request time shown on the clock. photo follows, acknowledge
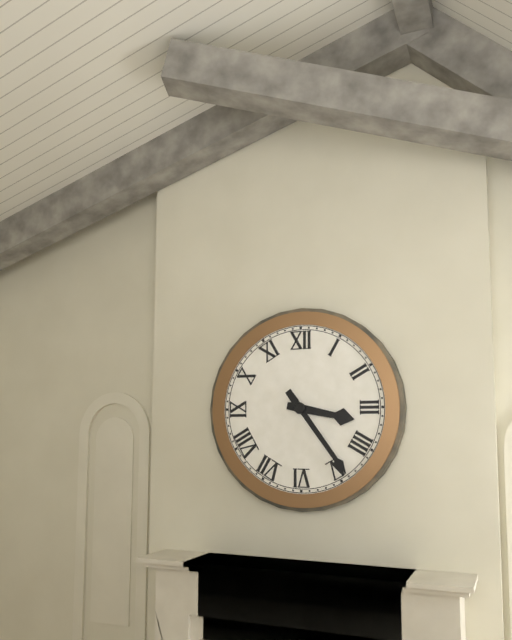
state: 3:24
